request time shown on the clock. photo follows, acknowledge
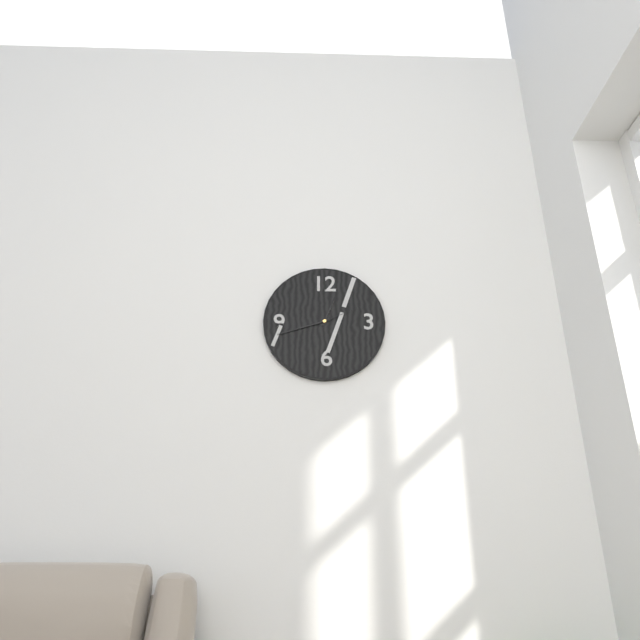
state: 12:42
